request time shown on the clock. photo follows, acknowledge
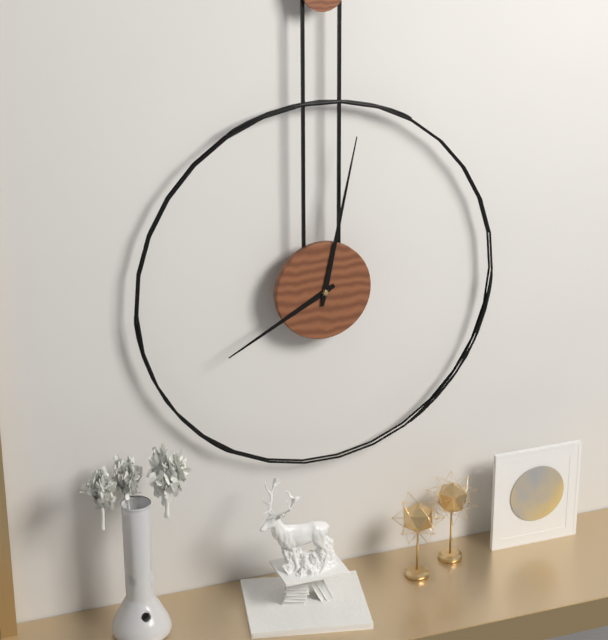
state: 8:02
